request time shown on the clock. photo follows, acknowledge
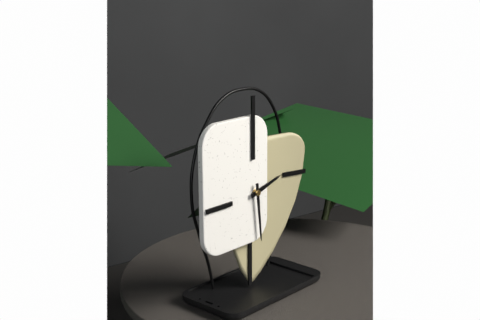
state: 2:29
